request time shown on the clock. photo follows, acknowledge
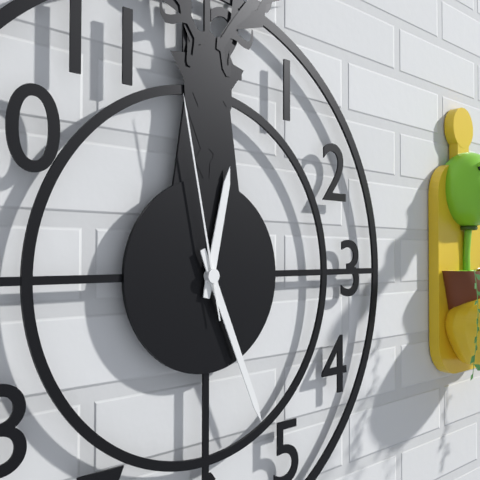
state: 12:26:58
